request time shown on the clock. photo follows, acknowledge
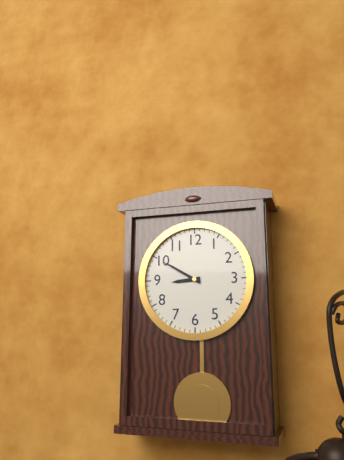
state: 8:50
